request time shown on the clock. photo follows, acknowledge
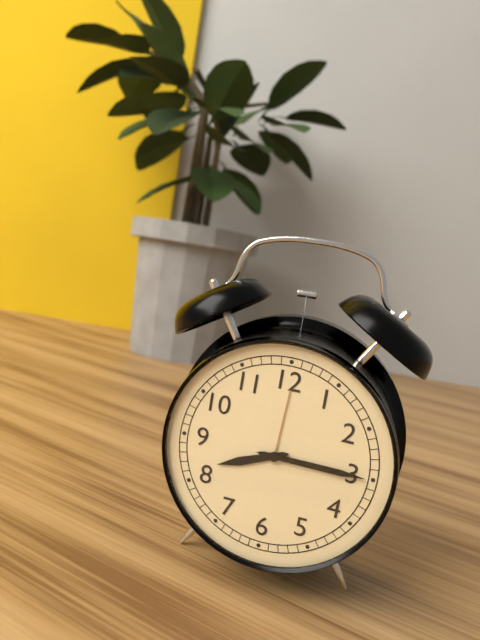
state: 8:15
